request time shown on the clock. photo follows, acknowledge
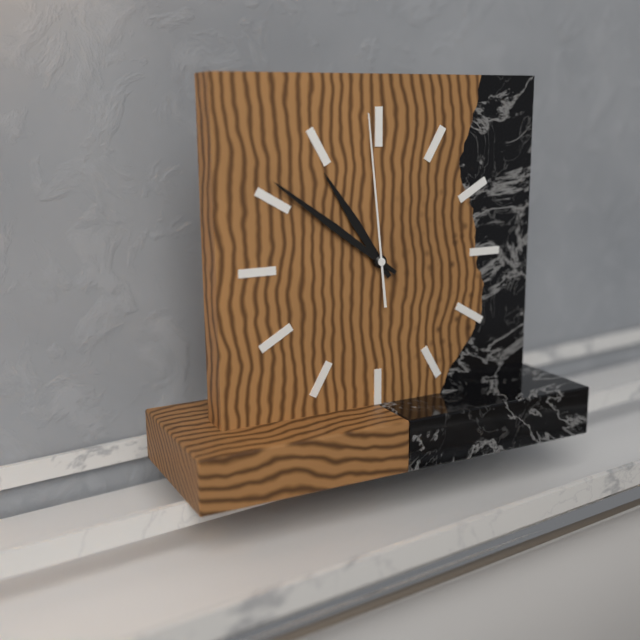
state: 10:51:59
